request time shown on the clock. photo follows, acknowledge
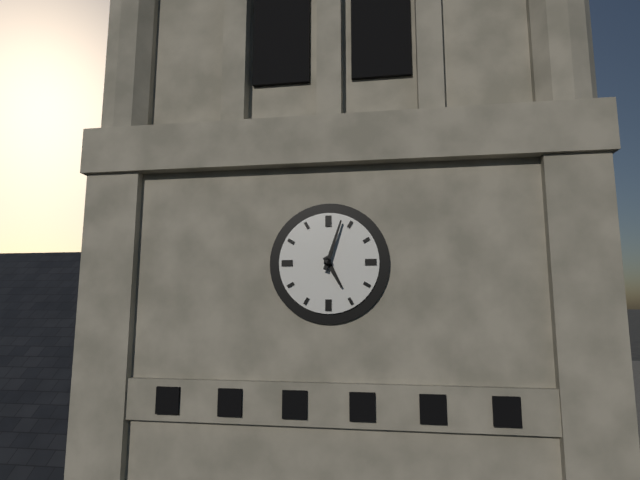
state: 5:03
